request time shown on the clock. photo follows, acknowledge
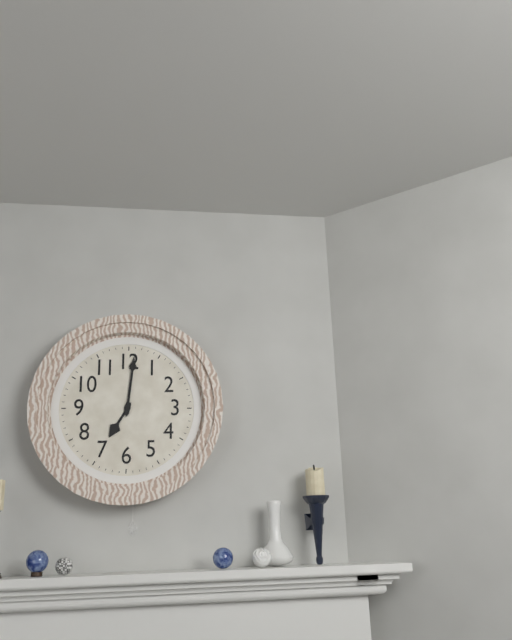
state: 7:01
